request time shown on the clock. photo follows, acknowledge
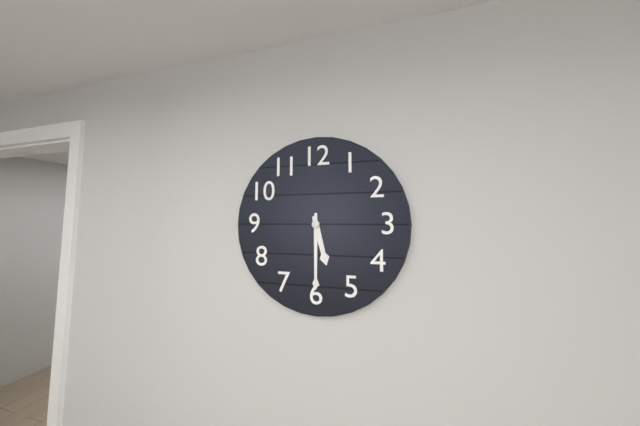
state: 5:30
